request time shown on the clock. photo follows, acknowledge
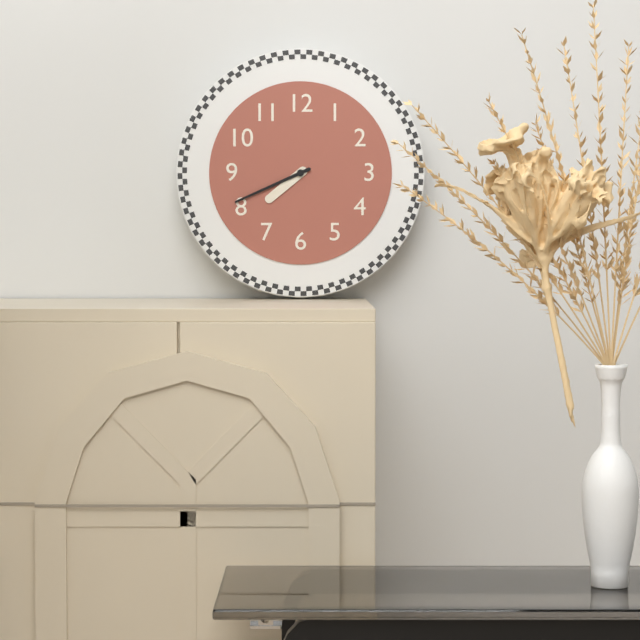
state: 7:41
